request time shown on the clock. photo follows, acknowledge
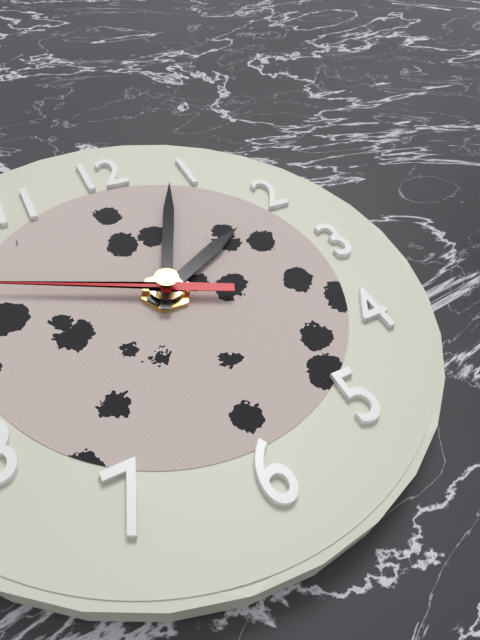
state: 2:04
